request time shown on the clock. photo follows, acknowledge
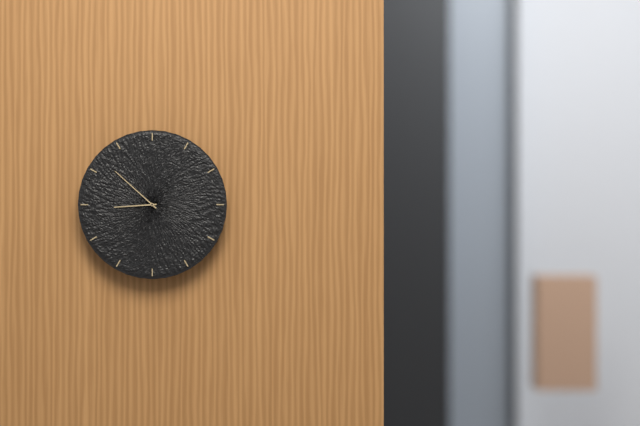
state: 8:52
